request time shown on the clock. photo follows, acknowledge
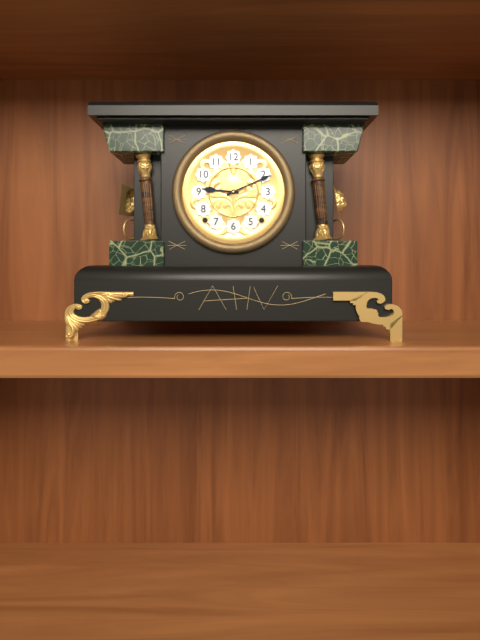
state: 9:11
